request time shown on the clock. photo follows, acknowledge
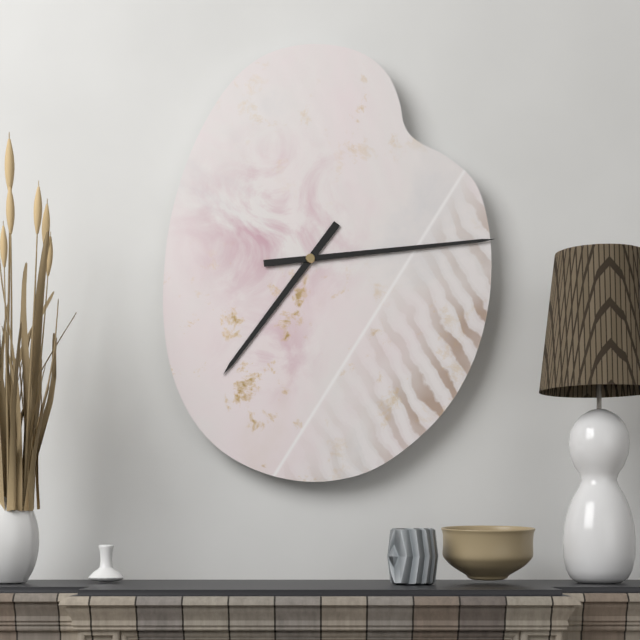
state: 7:14
